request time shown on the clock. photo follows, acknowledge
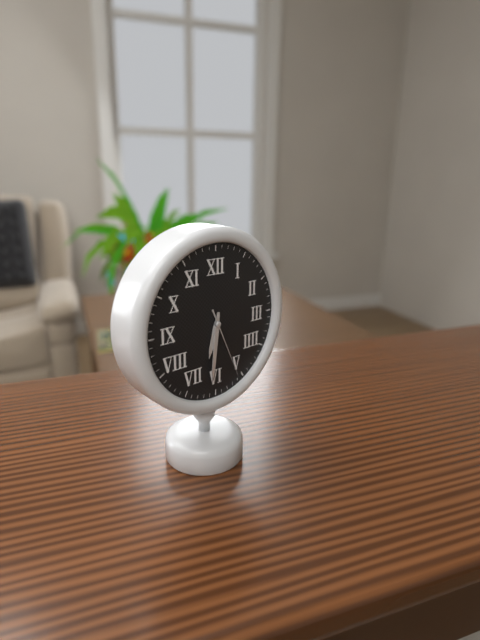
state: 6:31:26
